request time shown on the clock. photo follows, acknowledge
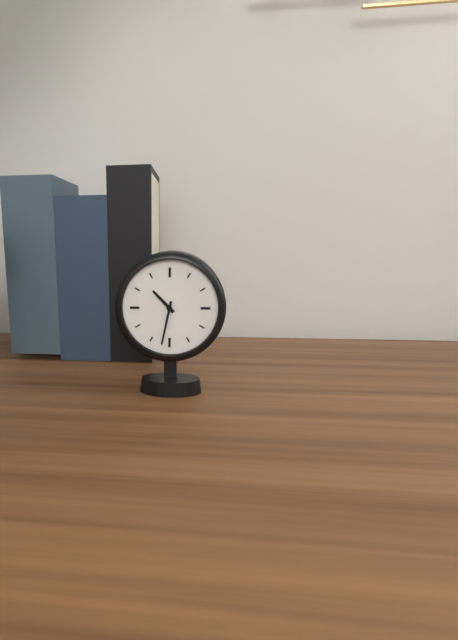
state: 10:32
